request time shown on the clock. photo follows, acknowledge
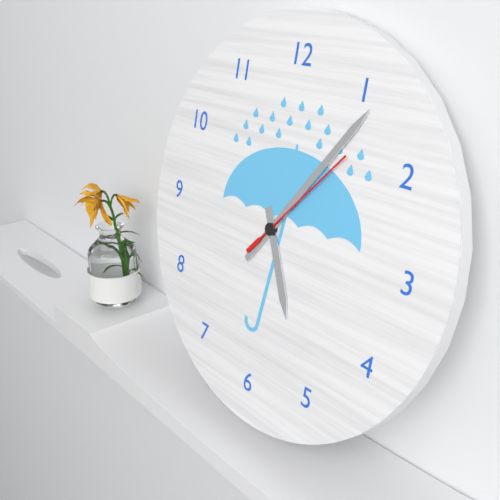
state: 5:06:07
